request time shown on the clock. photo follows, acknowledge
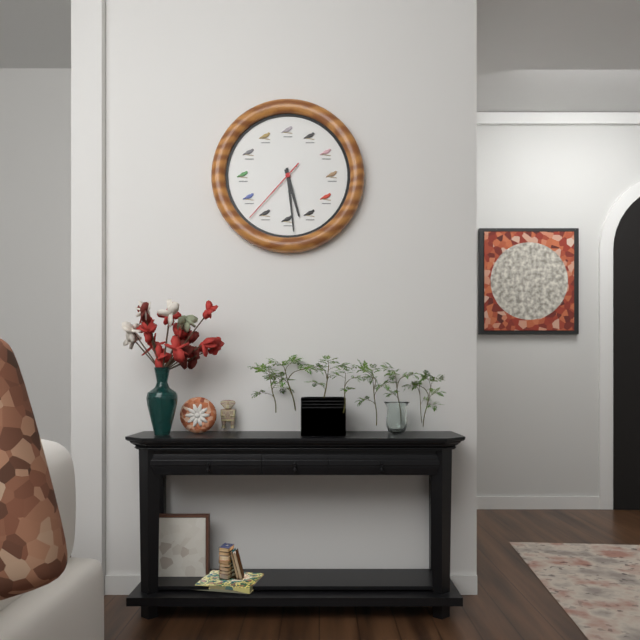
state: 5:29:37
